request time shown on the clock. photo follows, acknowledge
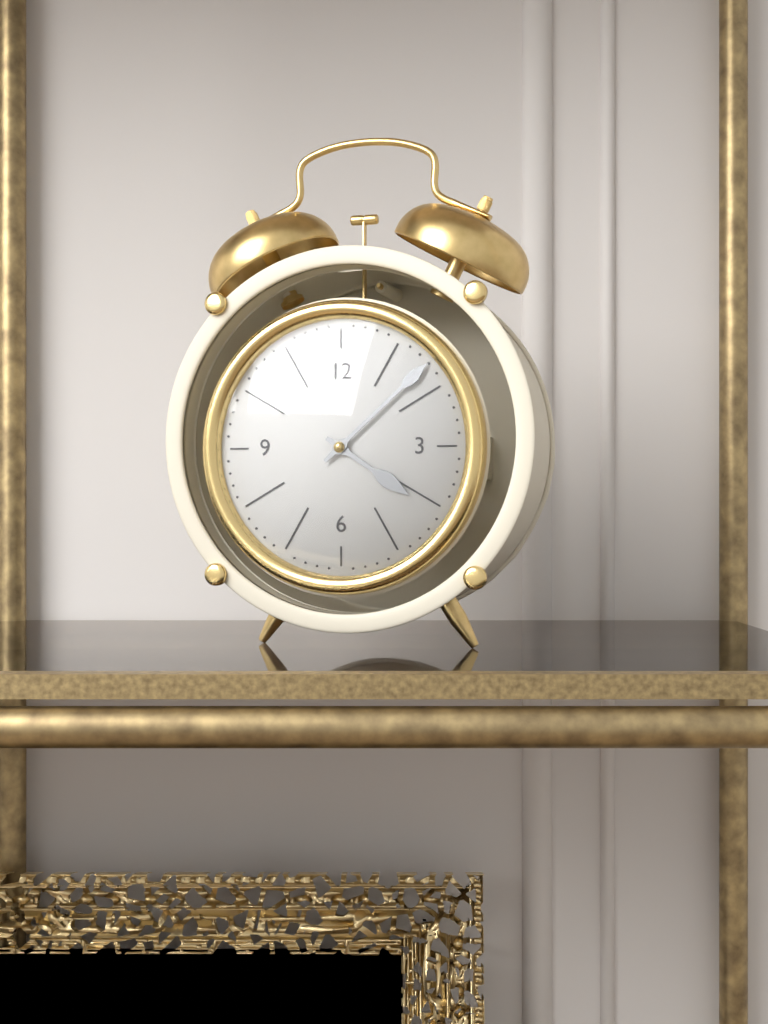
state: 4:08
